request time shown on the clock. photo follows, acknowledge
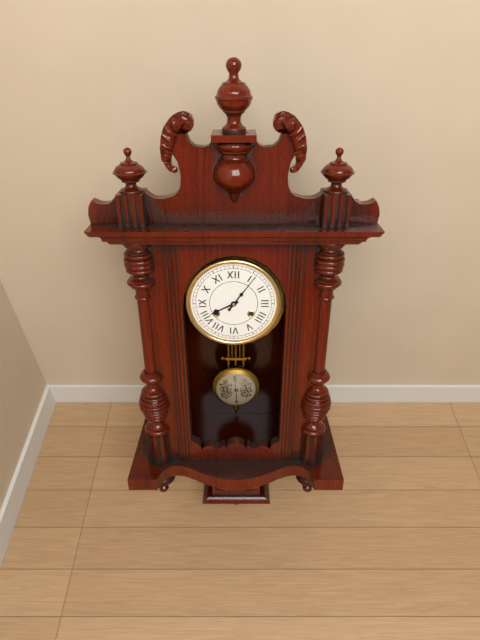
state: 8:06
